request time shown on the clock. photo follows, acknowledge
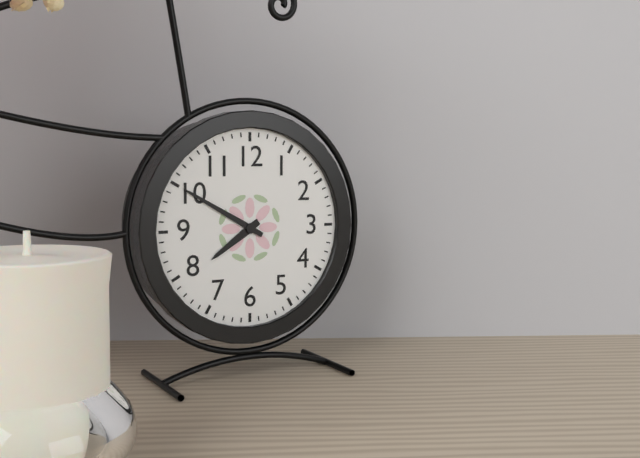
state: 7:50
